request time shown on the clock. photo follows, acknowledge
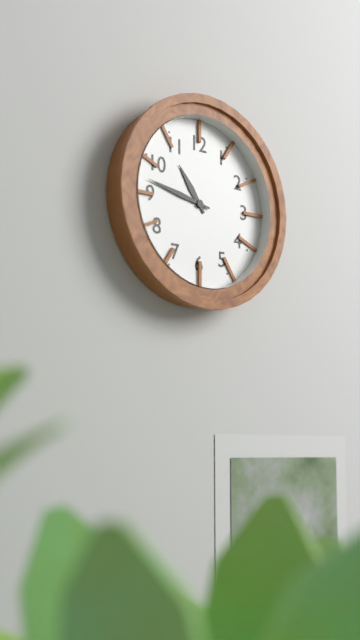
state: 10:47
